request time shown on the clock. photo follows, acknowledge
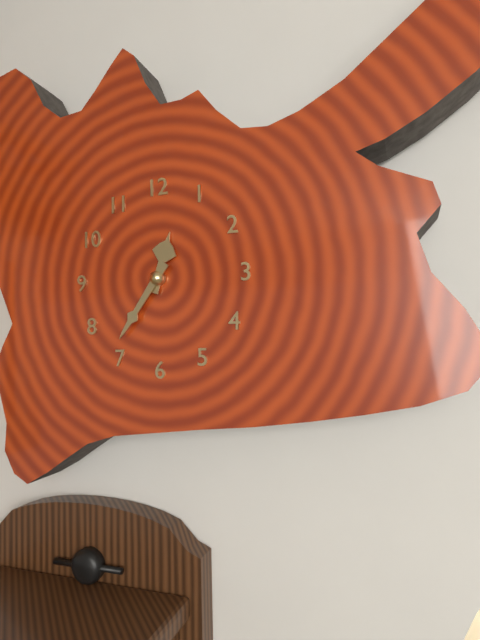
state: 12:36
